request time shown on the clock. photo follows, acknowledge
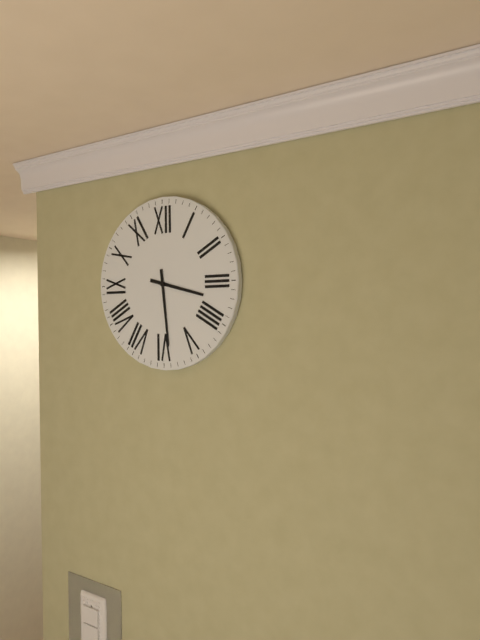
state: 3:29
